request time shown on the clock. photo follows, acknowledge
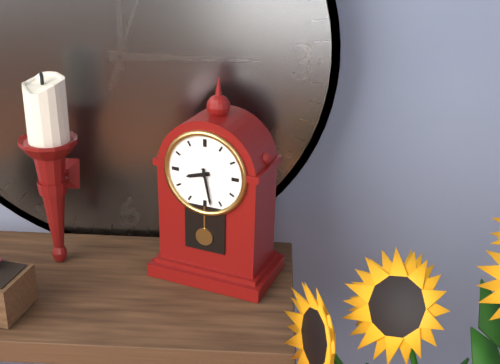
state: 8:28
